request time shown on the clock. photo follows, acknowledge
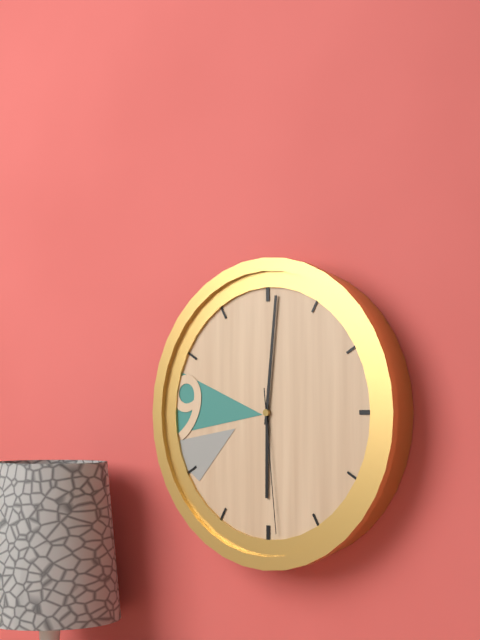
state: 6:01:29
